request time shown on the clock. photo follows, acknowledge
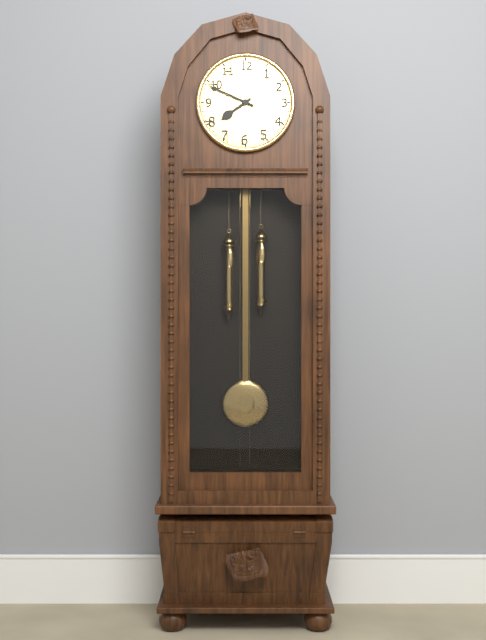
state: 7:49
